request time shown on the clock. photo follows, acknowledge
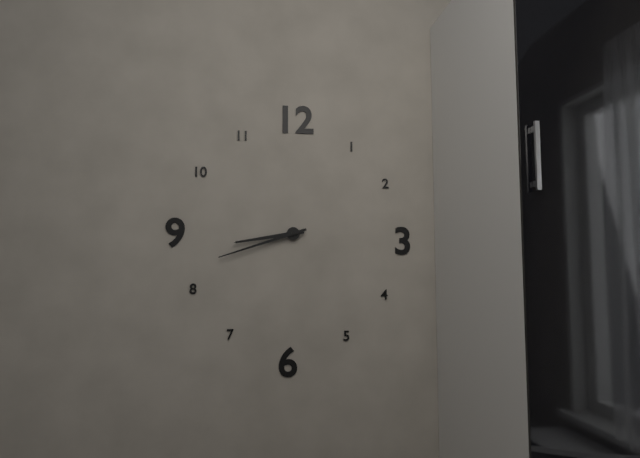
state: 8:42
